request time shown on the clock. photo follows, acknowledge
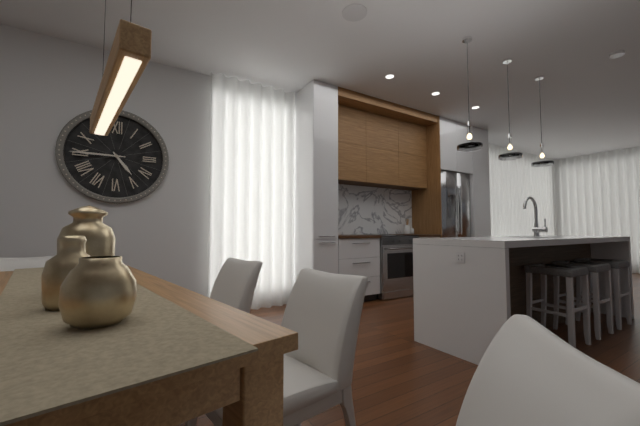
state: 4:45
